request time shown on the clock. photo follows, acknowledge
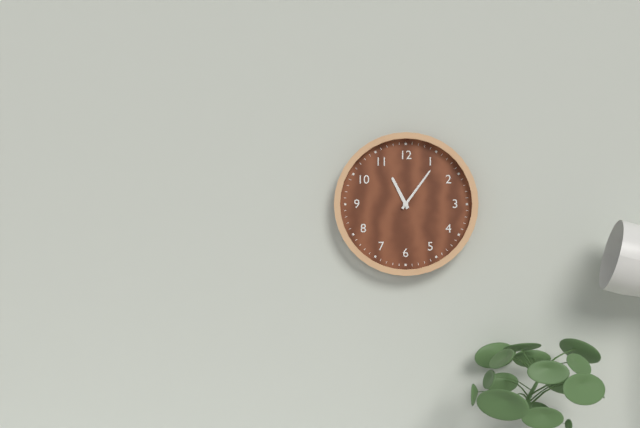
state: 11:06
